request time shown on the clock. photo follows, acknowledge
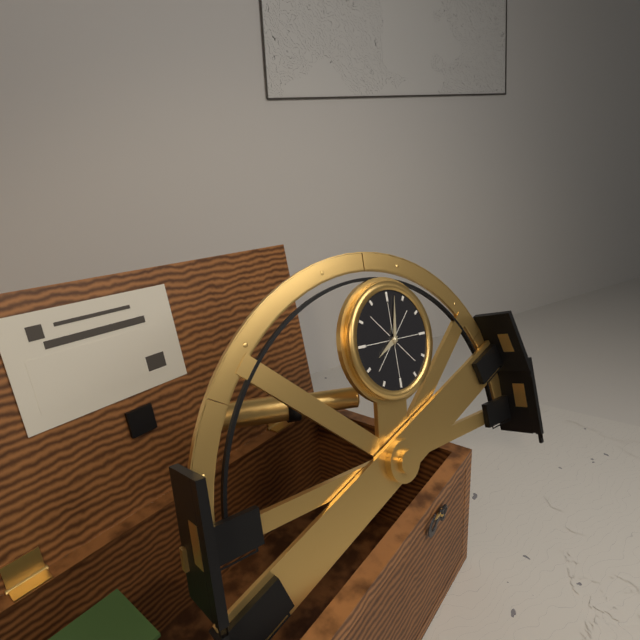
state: 8:02
